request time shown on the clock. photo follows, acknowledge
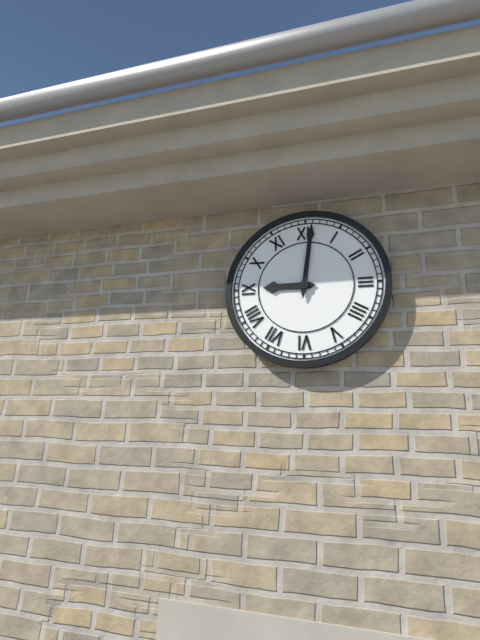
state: 9:01
